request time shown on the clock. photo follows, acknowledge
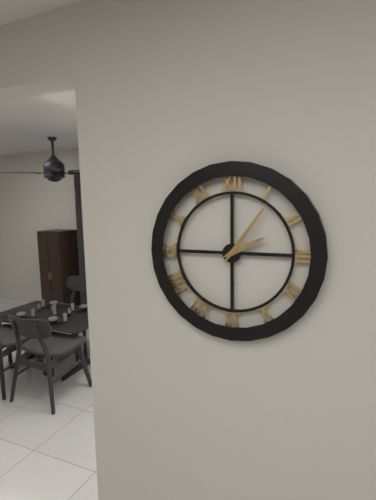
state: 2:06
